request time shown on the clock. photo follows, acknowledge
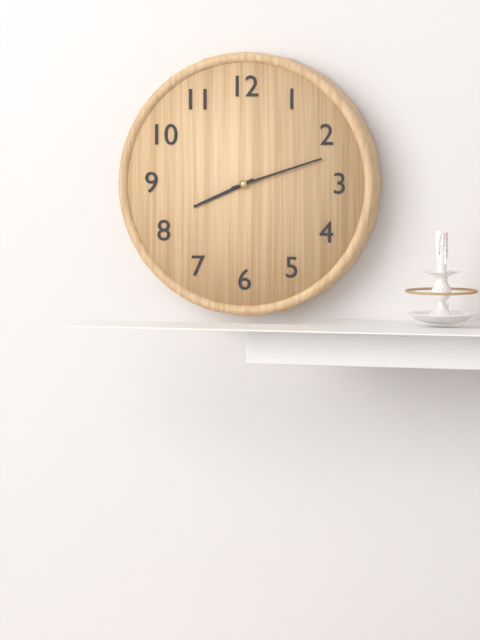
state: 8:12
